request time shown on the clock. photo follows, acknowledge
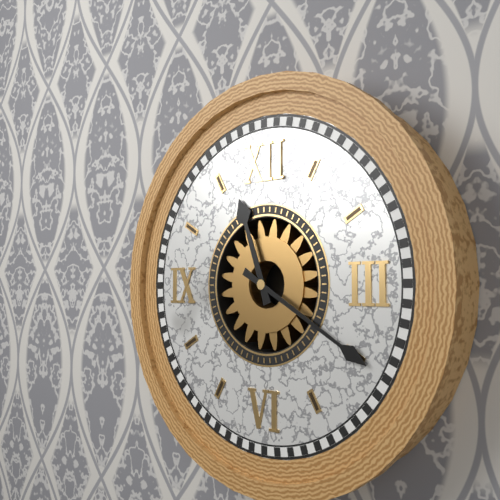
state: 11:20
